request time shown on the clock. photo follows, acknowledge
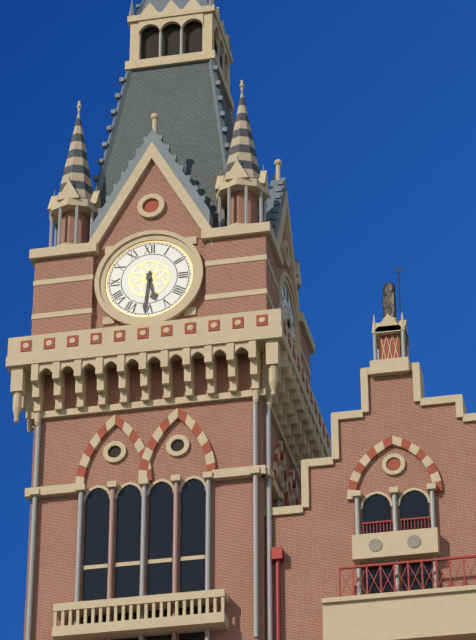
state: 5:31
